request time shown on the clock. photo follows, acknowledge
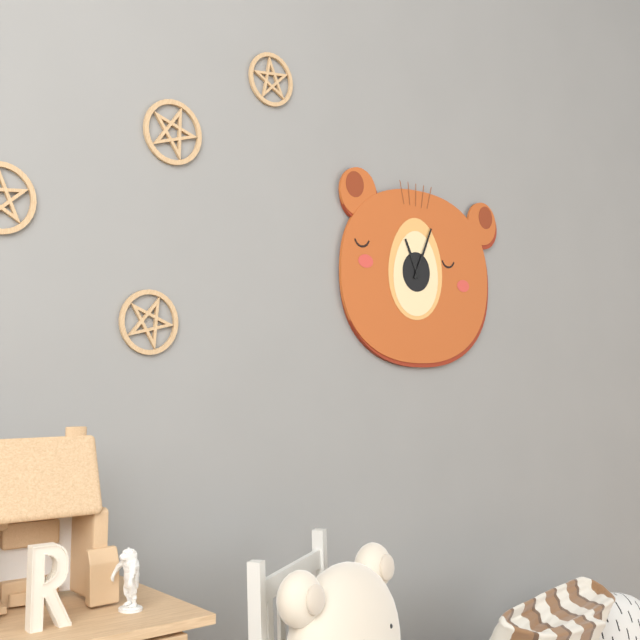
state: 11:04
